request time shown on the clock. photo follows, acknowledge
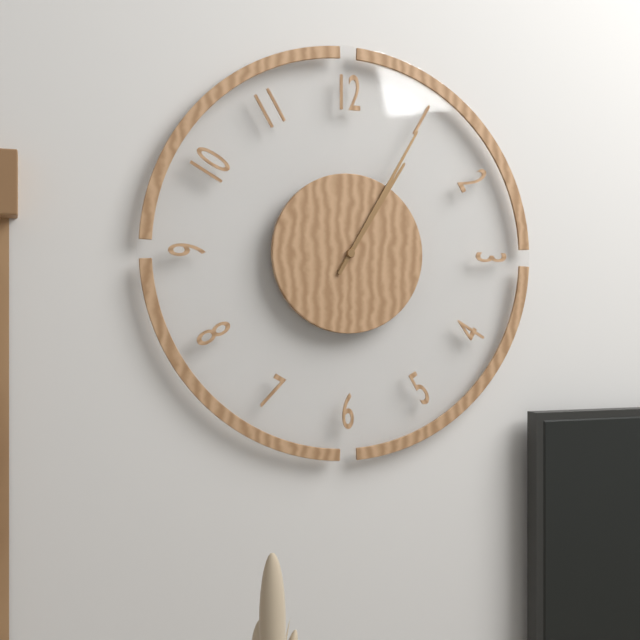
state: 1:05
